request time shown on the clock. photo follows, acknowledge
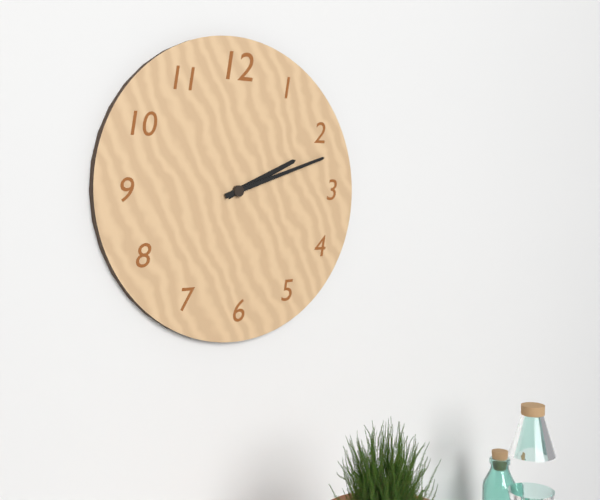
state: 2:12
